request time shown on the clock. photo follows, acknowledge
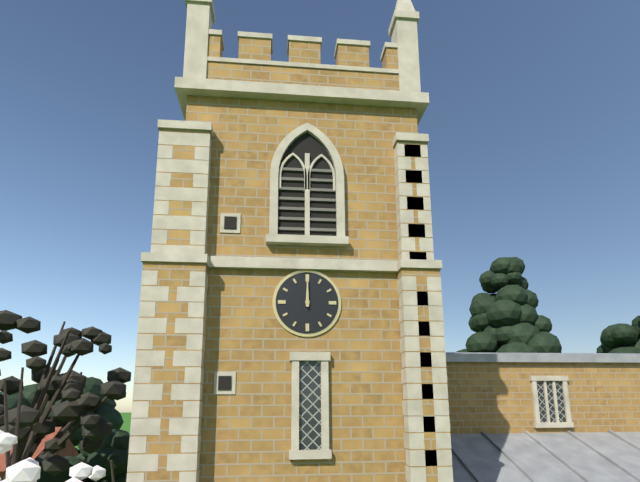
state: 12:00
